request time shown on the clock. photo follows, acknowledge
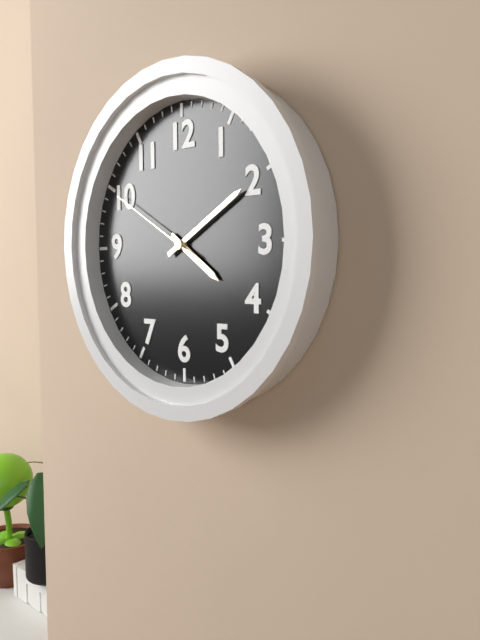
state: 4:10:50
